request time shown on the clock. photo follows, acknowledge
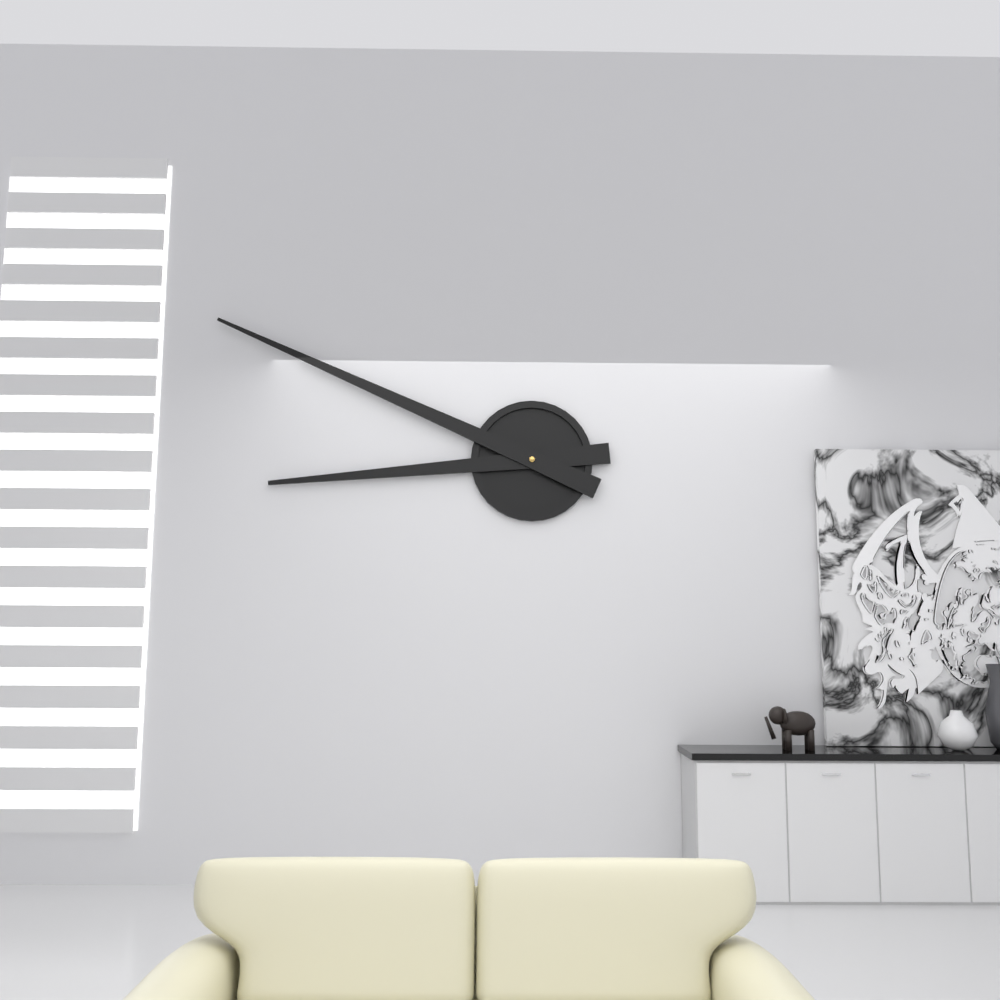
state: 8:49
